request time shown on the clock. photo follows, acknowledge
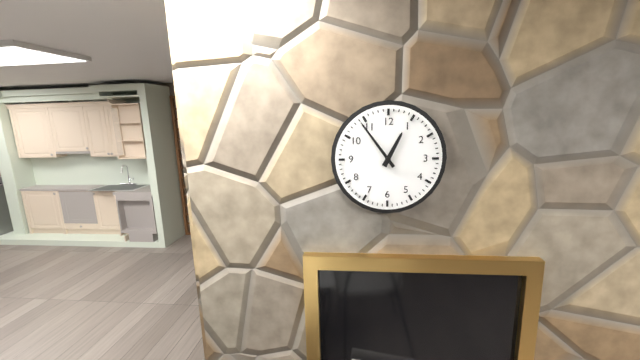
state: 12:54
